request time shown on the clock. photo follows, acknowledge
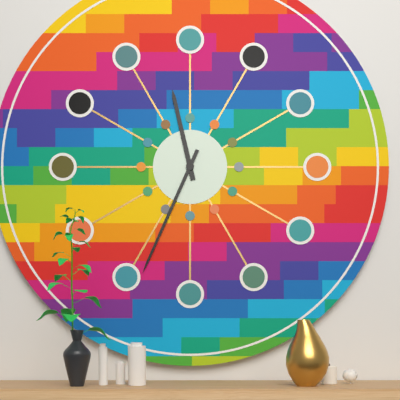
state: 11:34
